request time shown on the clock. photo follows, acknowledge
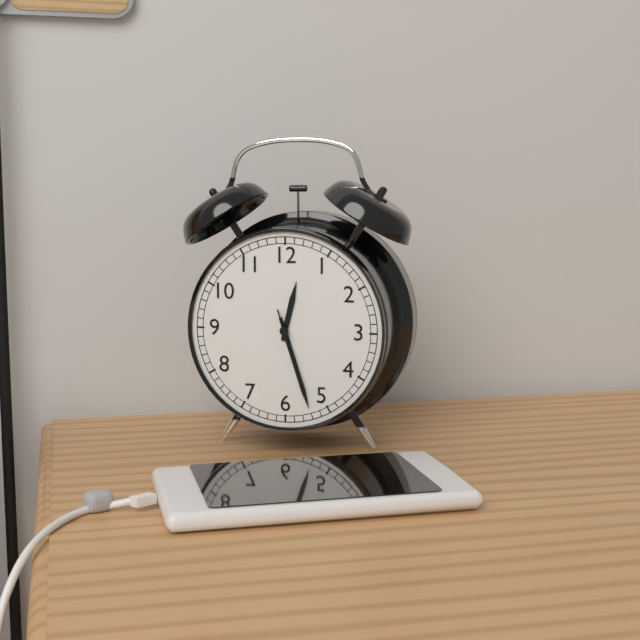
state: 12:27:27
